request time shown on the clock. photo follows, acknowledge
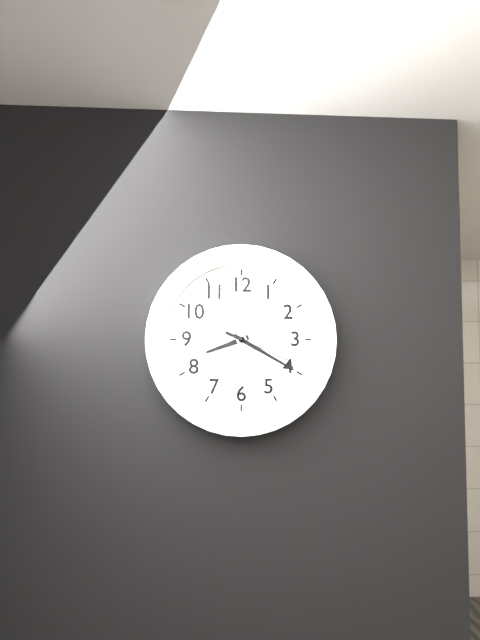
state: 8:20:19
